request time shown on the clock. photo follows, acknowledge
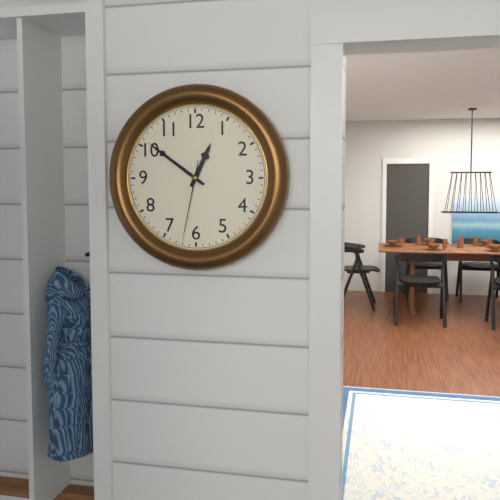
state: 12:51:32
